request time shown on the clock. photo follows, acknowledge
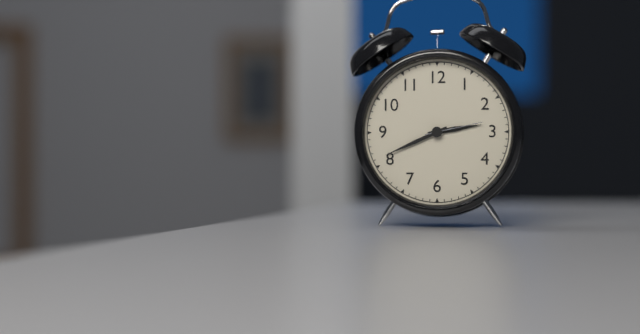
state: 2:41:13
